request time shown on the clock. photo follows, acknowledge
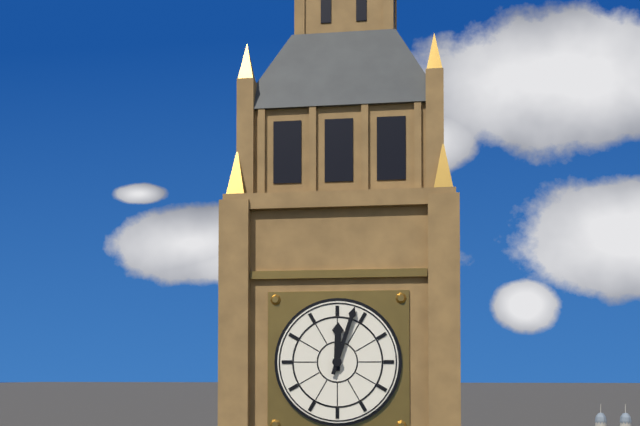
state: 12:03
